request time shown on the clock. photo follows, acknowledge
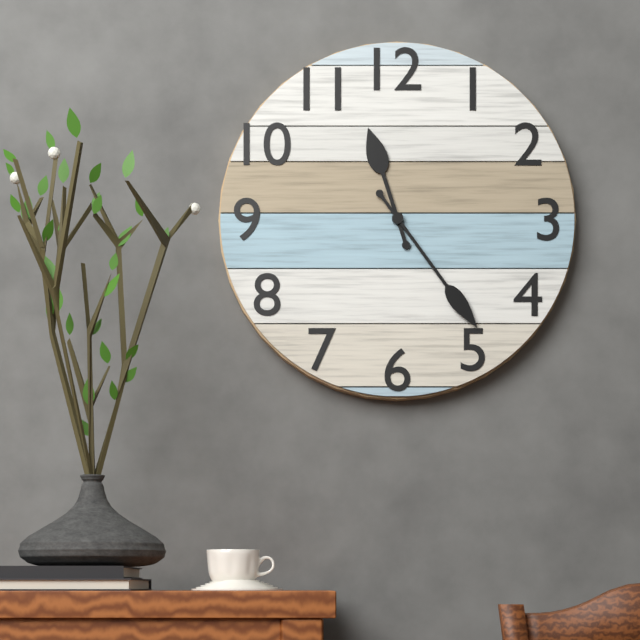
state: 11:24
